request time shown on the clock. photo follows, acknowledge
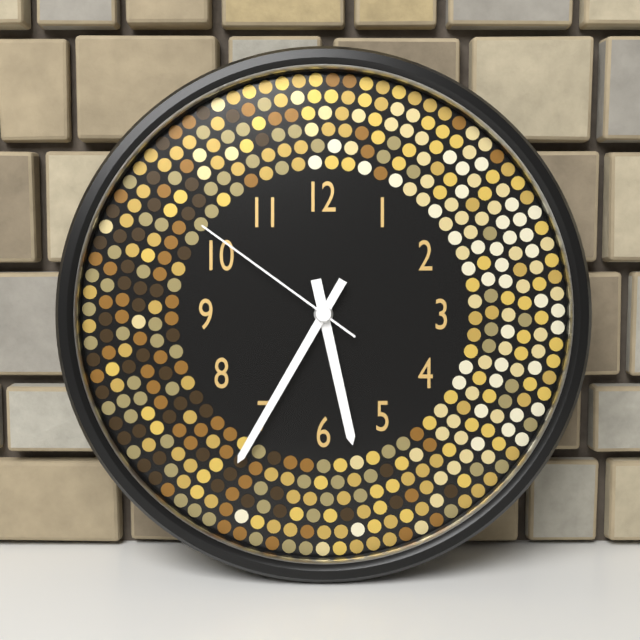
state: 5:35:51
